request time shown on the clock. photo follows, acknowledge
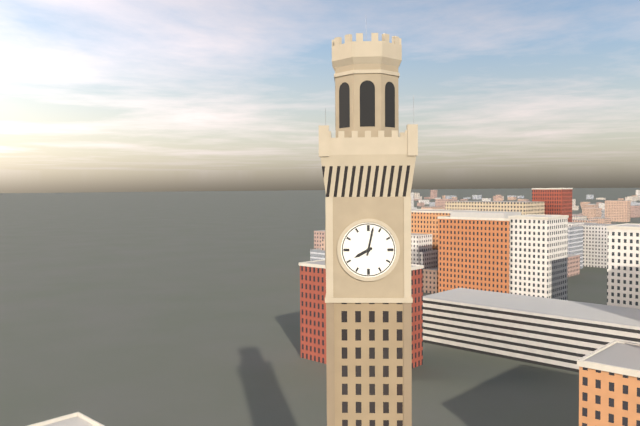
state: 8:02
